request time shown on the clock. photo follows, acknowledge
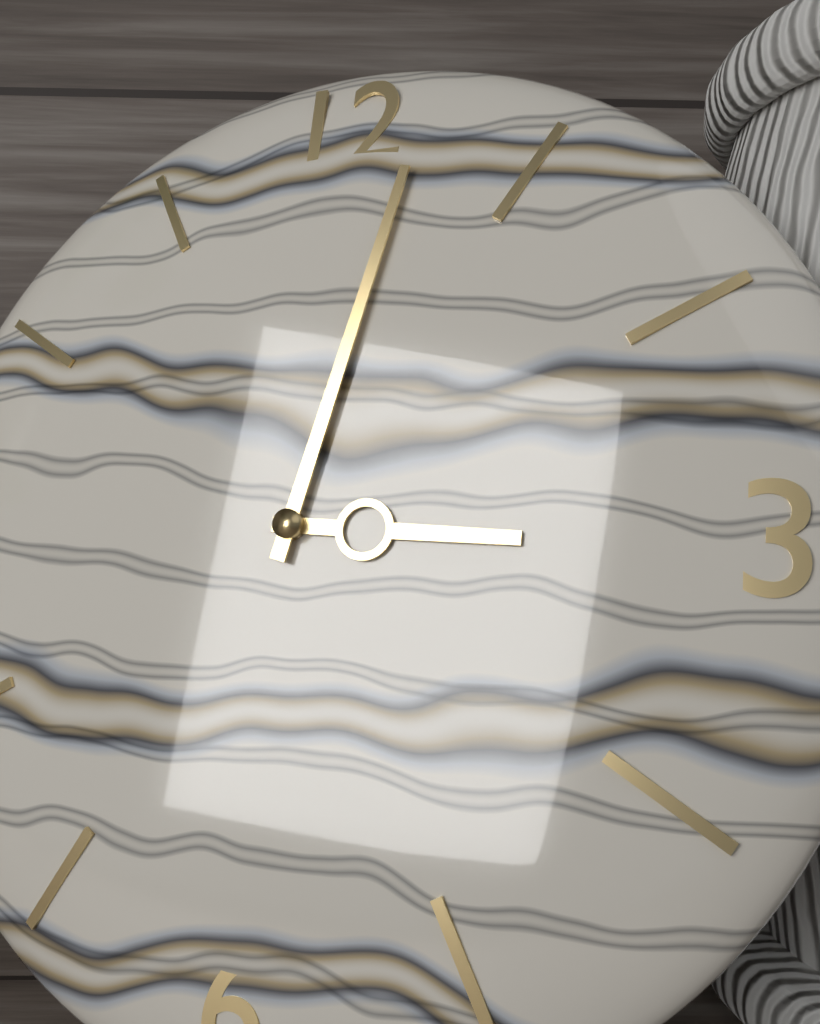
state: 3:02
